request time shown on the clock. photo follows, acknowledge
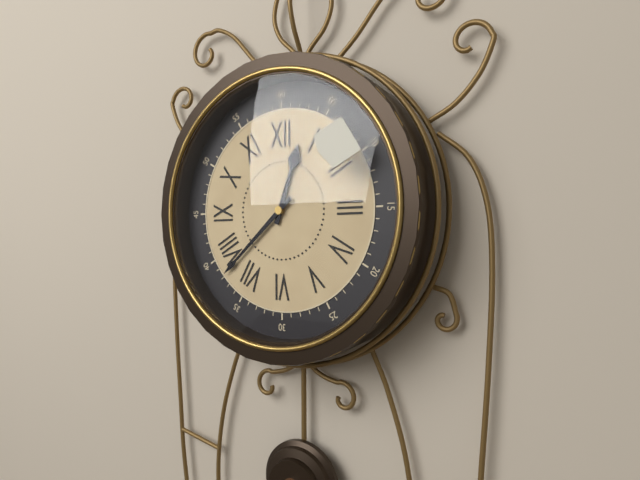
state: 12:38
